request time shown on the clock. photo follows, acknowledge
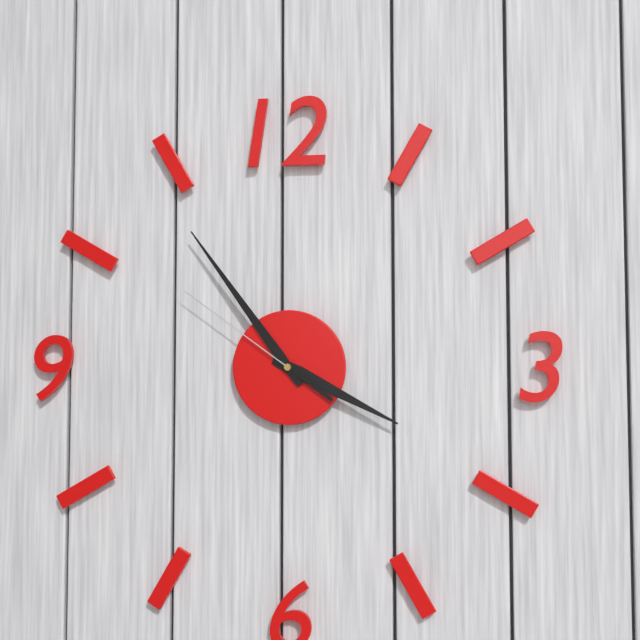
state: 3:54:51
